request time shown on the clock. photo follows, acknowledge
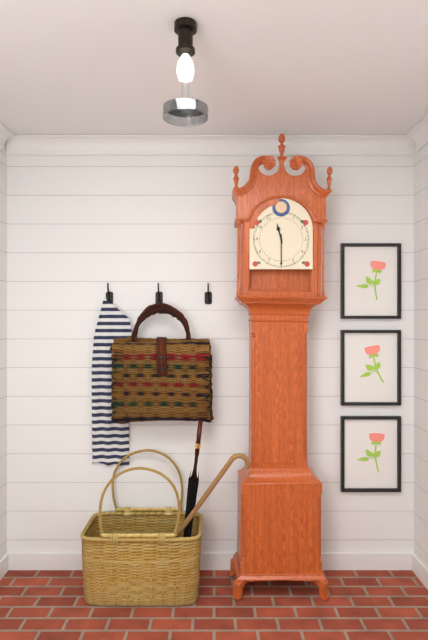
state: 11:30
